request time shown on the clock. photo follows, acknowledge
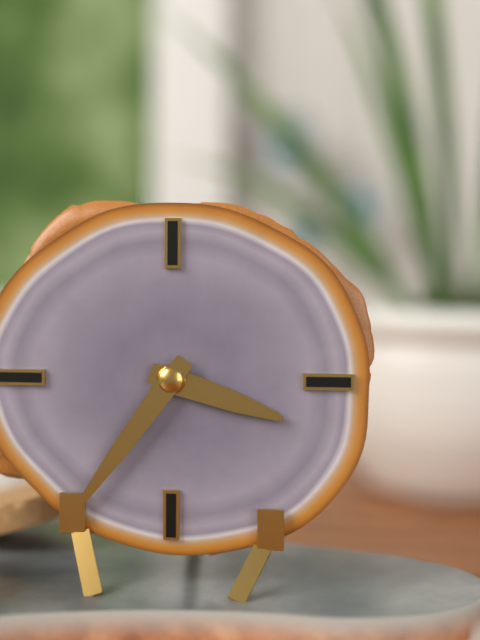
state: 3:36
